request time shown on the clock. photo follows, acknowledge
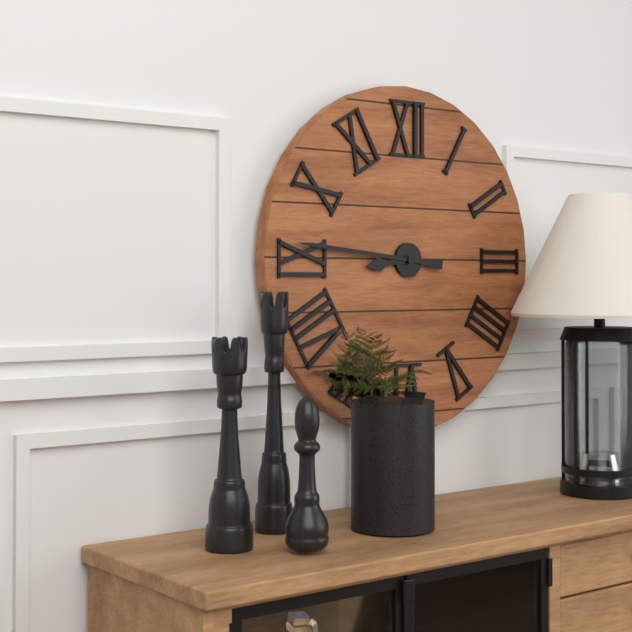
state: 8:46
